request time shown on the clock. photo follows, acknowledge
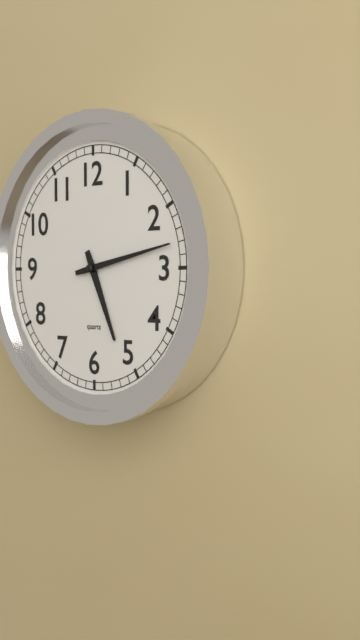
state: 5:13
